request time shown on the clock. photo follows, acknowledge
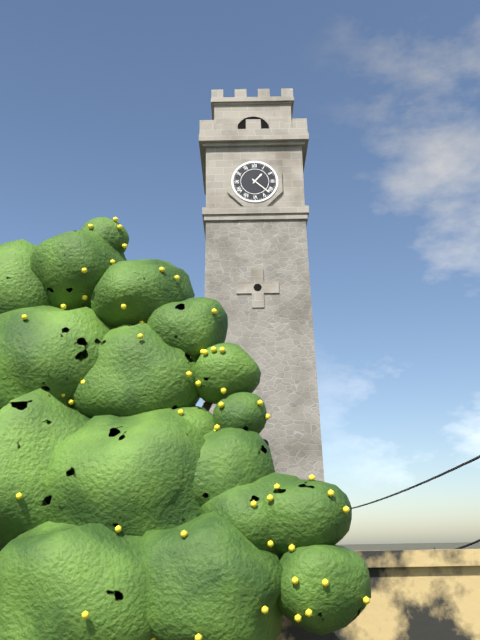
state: 1:22
